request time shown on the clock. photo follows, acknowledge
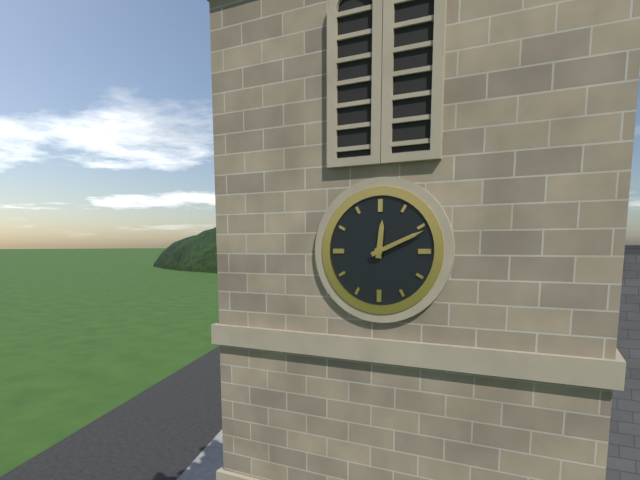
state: 12:11
